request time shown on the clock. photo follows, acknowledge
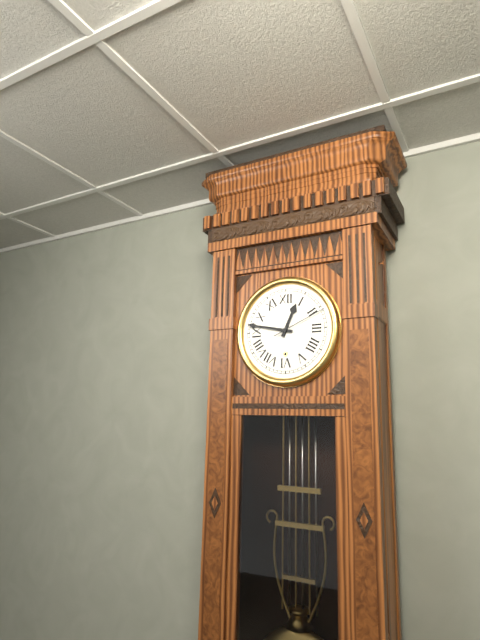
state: 12:47
